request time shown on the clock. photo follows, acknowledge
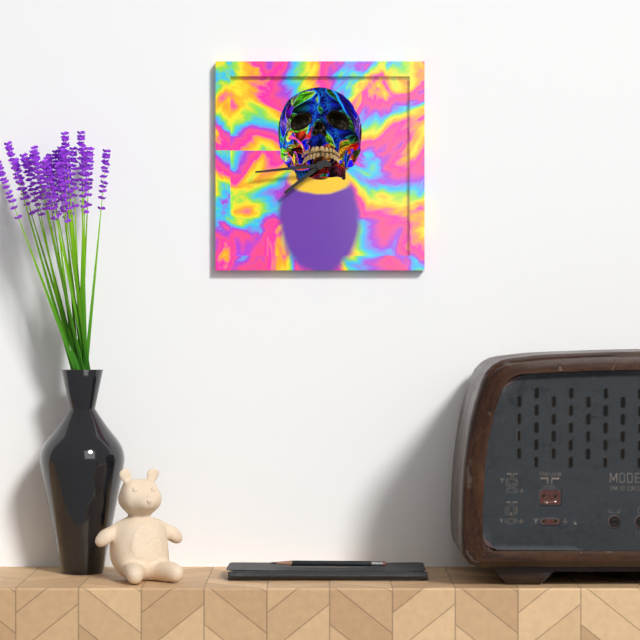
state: 7:44
